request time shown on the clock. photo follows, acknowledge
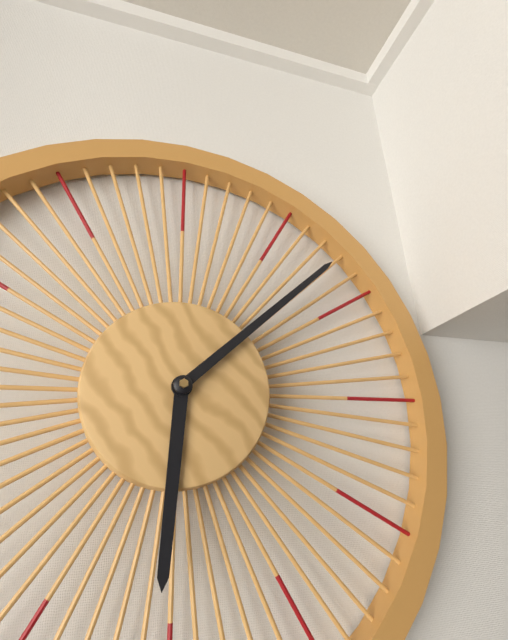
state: 6:08
